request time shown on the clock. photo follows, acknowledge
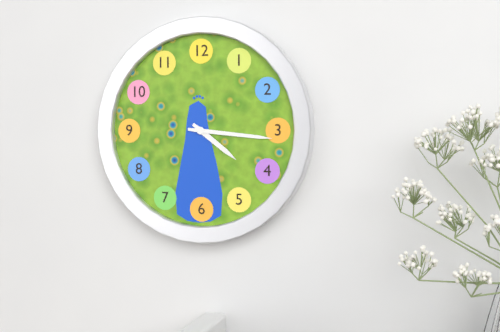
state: 4:16
